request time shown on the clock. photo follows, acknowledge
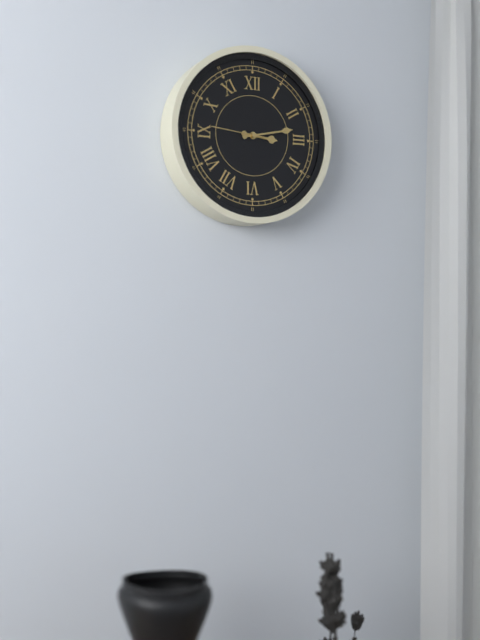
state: 3:13:46
